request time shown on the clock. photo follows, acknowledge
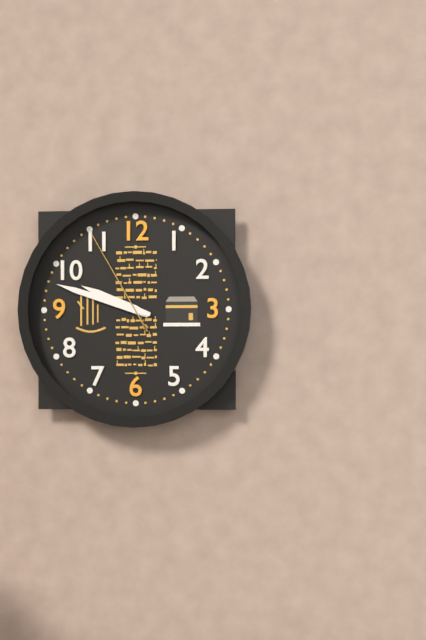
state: 9:48:55
